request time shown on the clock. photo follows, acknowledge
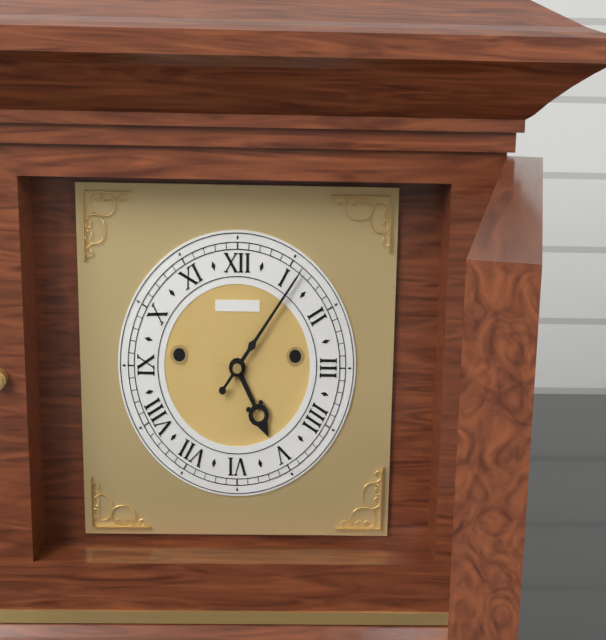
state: 5:06
